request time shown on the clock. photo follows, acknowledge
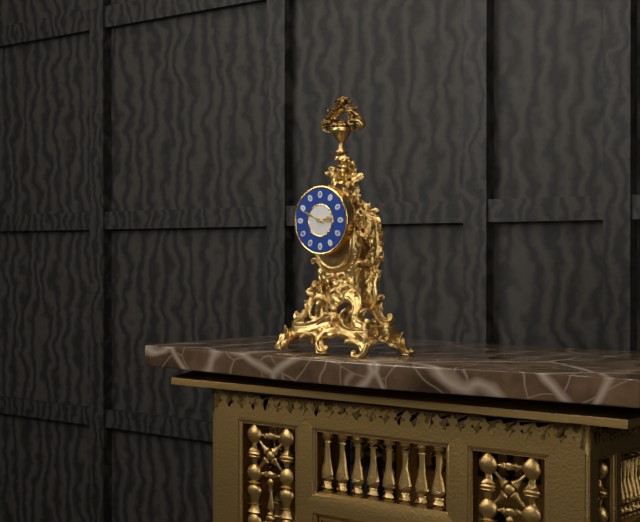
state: 2:49
